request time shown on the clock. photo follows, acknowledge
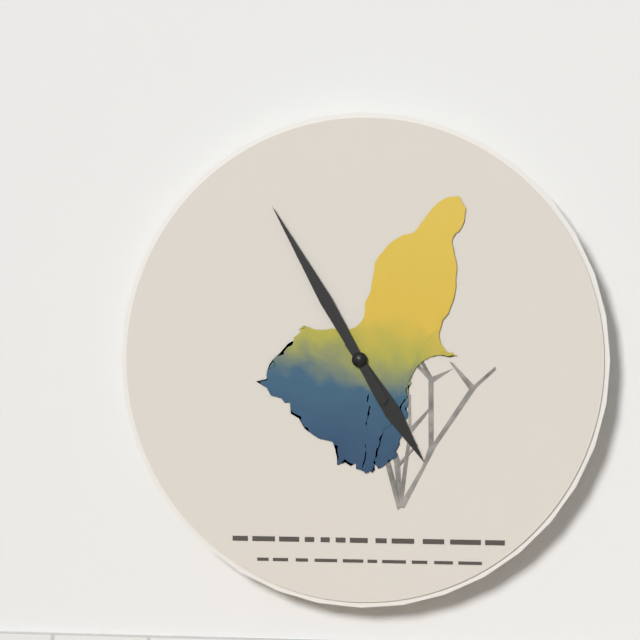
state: 4:55
